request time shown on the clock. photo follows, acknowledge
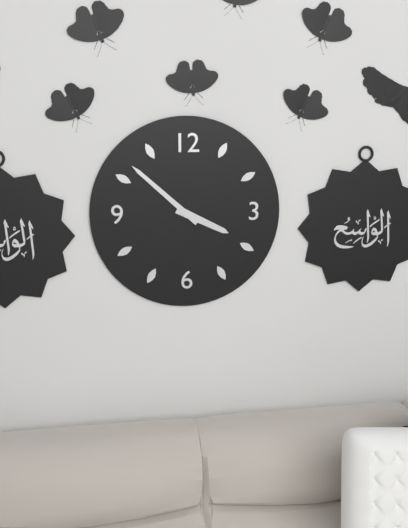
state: 3:52
